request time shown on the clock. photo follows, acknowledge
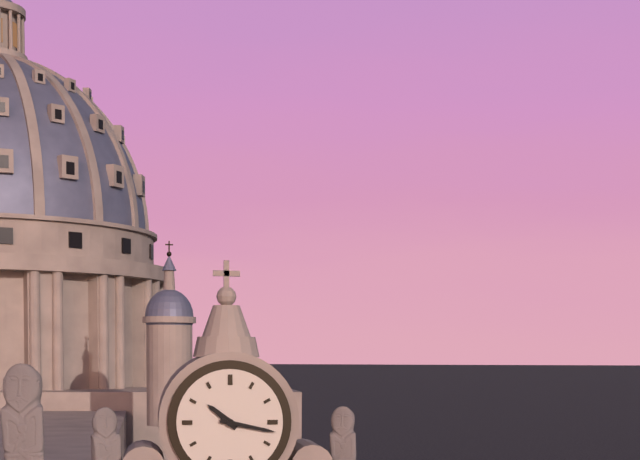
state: 10:17
